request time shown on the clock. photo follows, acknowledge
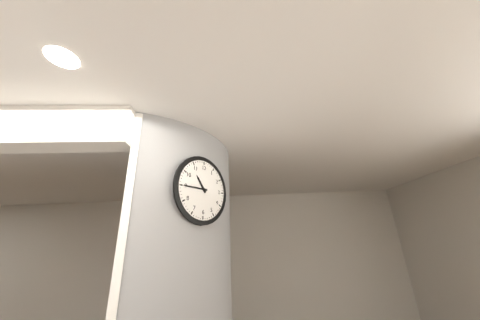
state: 10:45
